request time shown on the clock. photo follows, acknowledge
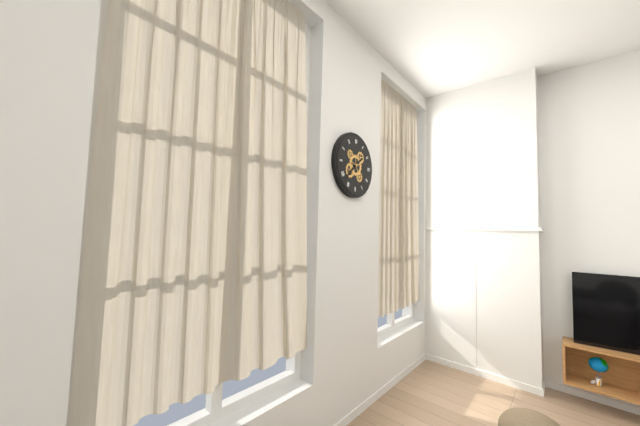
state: 1:38
